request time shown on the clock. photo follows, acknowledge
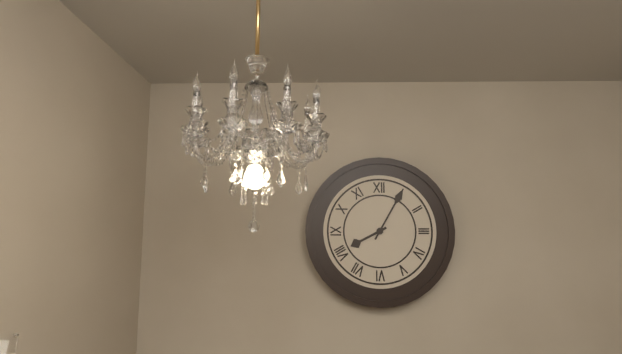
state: 8:05
